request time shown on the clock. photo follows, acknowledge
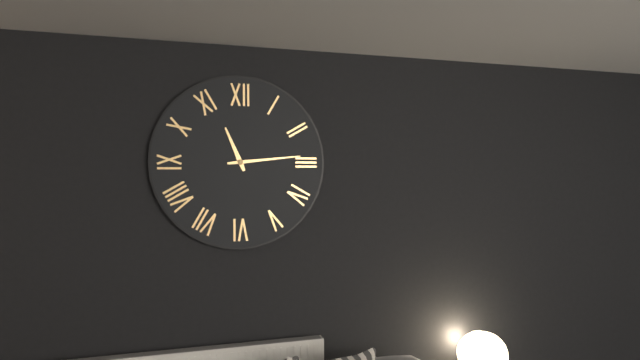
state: 11:14
